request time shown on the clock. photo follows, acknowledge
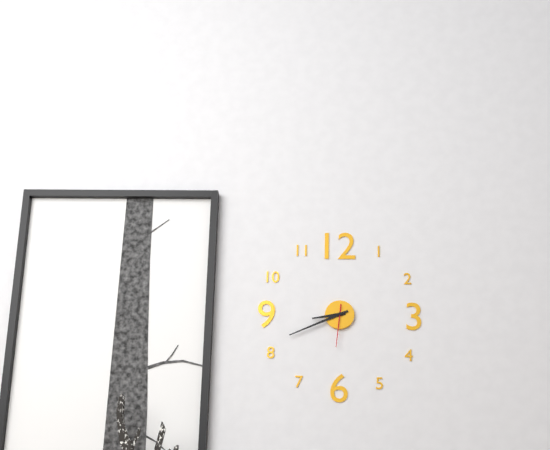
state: 8:41
